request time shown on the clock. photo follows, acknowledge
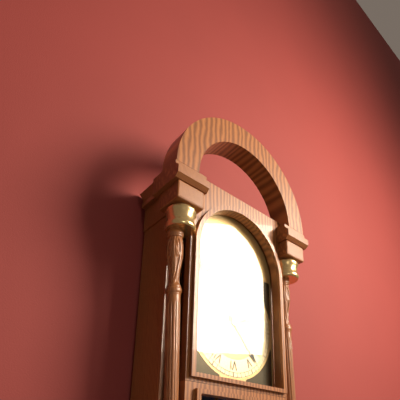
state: 2:23
